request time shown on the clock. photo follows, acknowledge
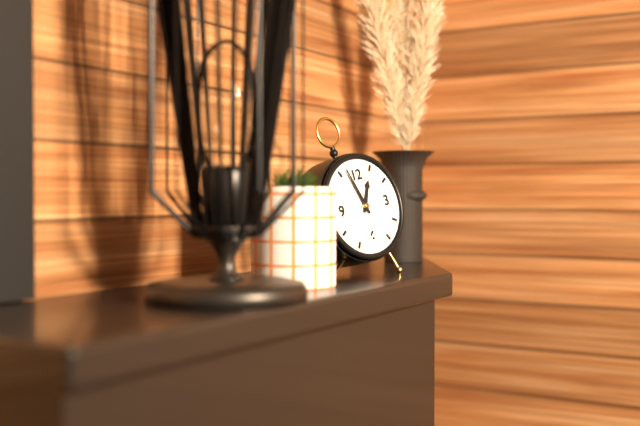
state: 12:57
